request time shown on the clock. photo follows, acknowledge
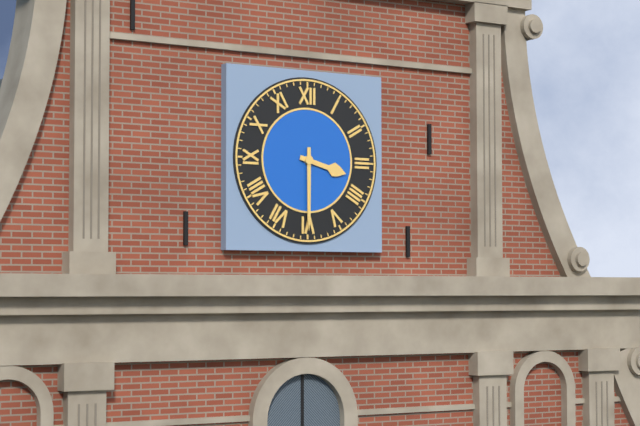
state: 3:30
